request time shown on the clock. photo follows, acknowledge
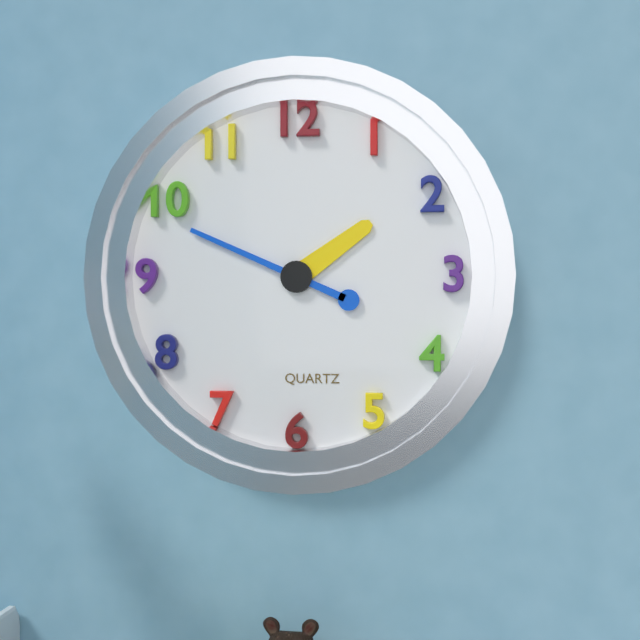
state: 1:49
